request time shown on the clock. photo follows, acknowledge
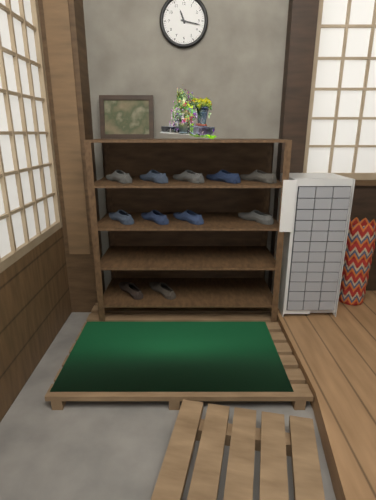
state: 11:17
